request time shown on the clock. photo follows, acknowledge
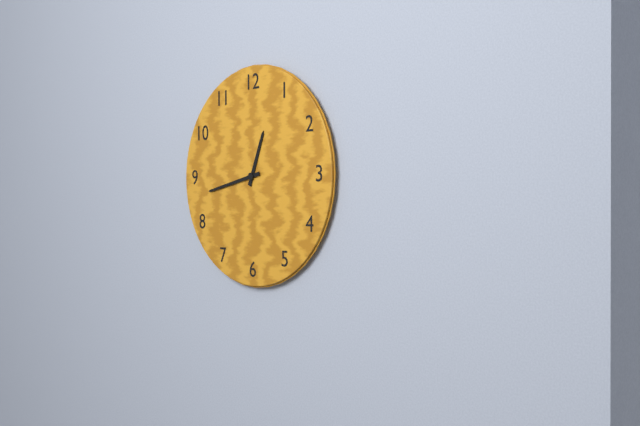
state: 12:43
